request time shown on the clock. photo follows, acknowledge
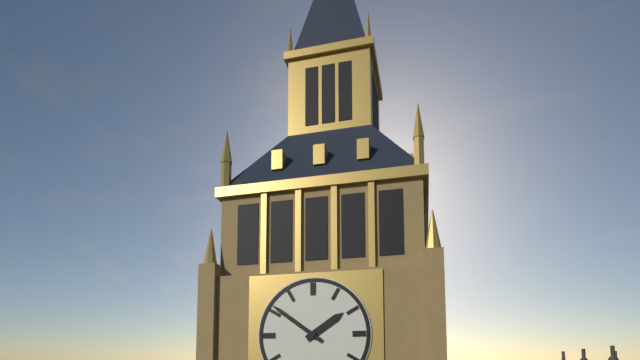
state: 1:51
